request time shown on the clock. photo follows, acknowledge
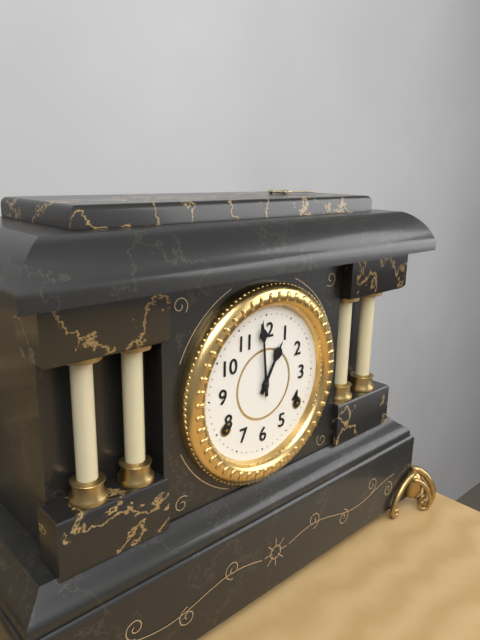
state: 12:59
